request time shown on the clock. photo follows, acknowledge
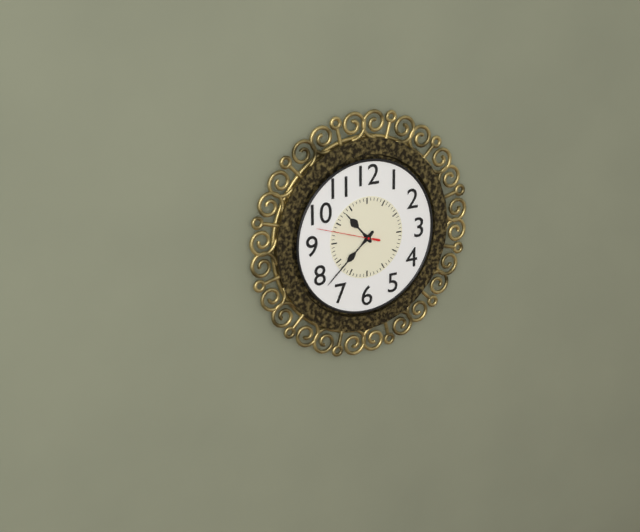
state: 10:38:48
